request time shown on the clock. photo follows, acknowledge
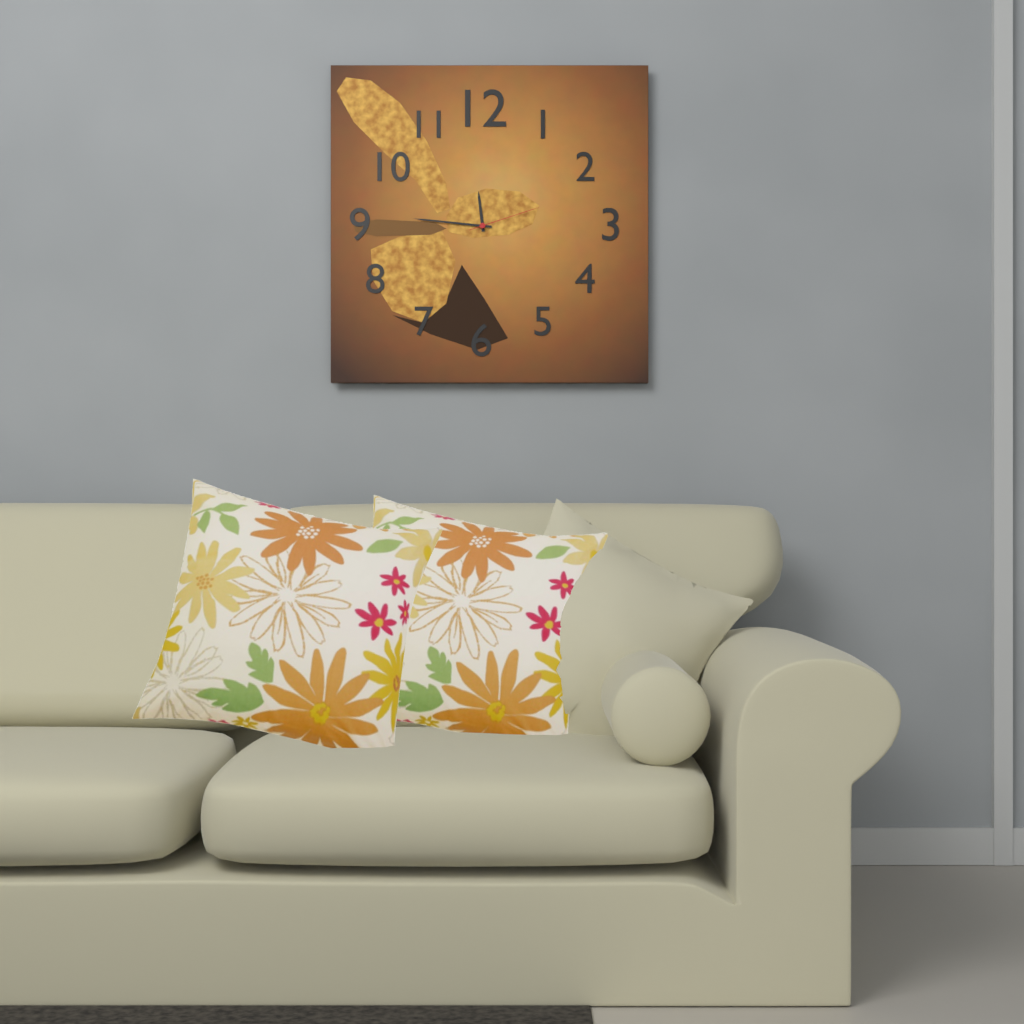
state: 11:46:12
